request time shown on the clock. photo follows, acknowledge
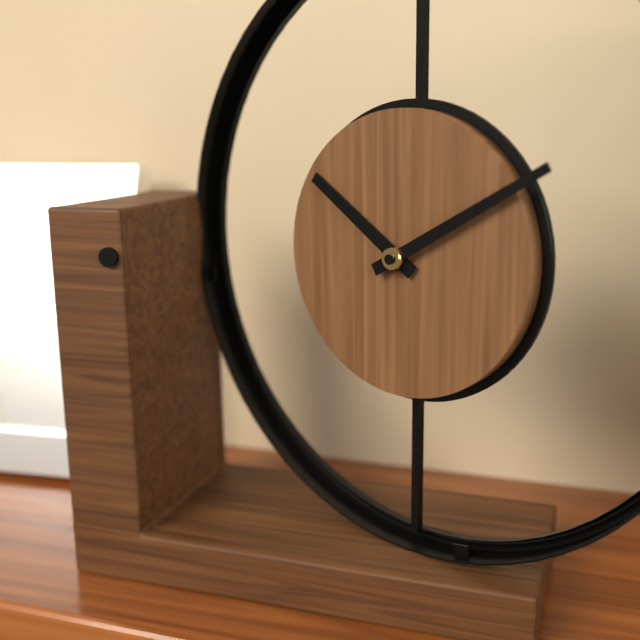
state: 10:10
